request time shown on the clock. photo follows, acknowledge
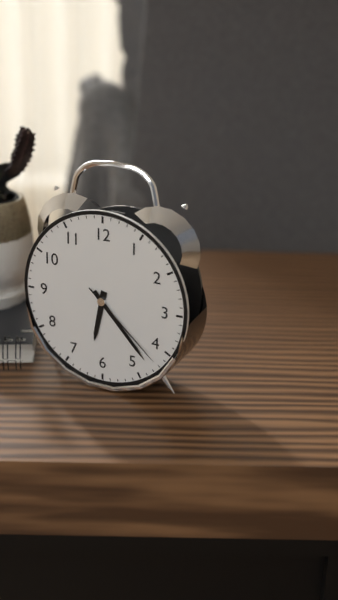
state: 6:23:22
